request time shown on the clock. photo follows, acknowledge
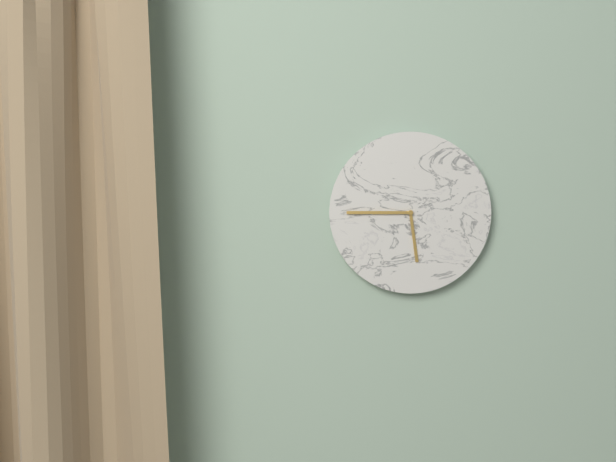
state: 5:45
